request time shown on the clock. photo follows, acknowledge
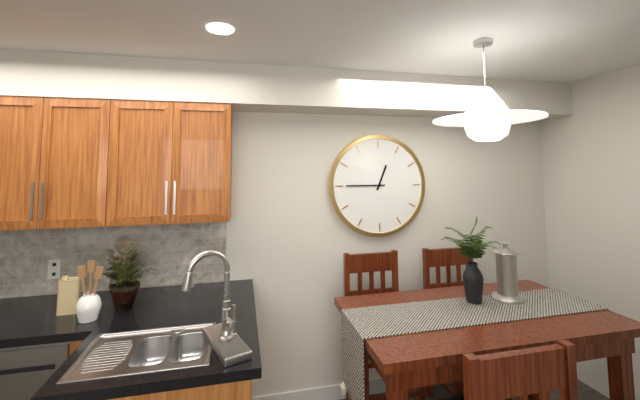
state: 12:45
